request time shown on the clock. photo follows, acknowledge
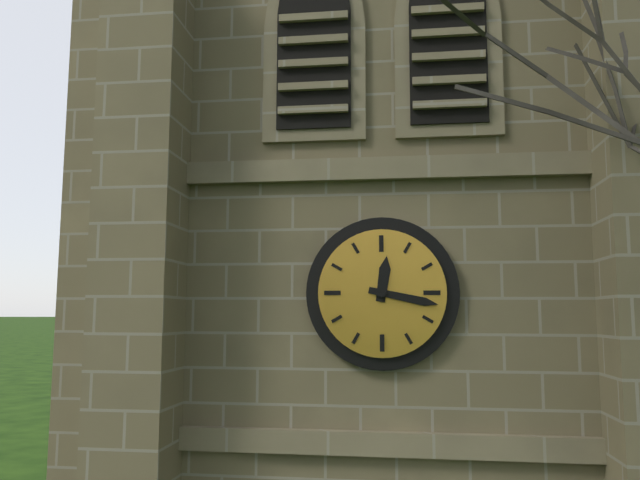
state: 12:17
